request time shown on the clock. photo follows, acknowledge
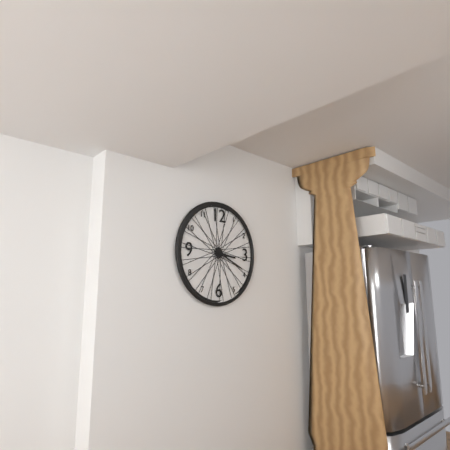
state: 3:19
